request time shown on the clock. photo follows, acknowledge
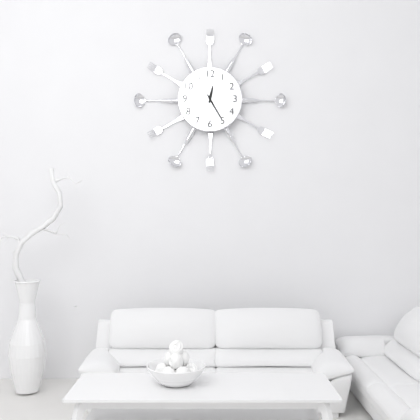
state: 12:25
